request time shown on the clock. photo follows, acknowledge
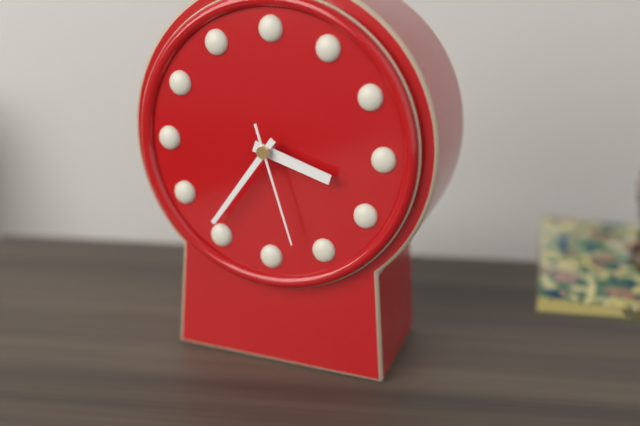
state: 3:36:27
